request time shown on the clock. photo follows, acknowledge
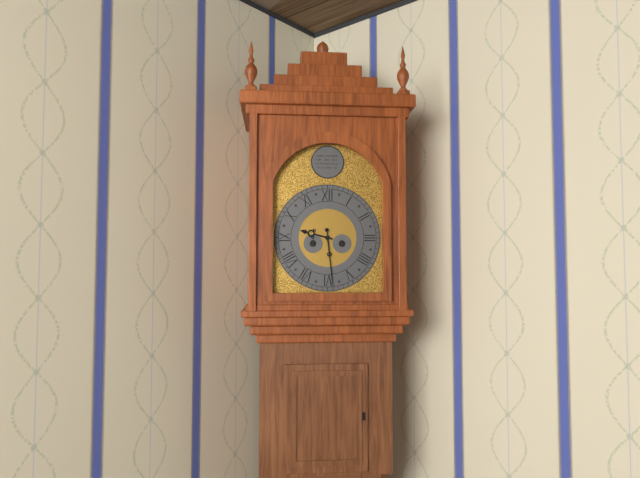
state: 9:29
